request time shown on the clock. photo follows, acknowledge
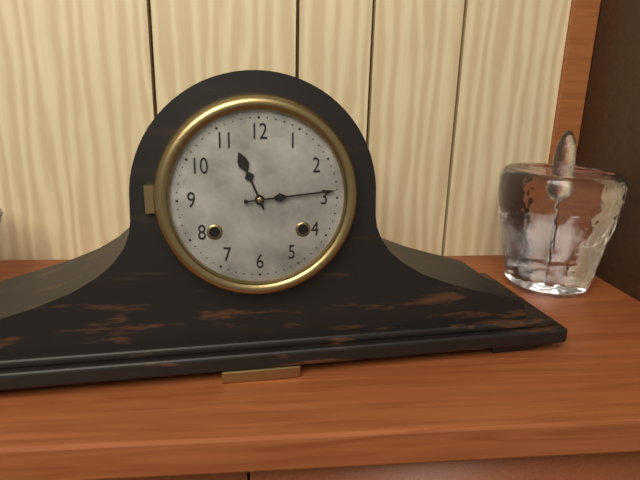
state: 11:14
